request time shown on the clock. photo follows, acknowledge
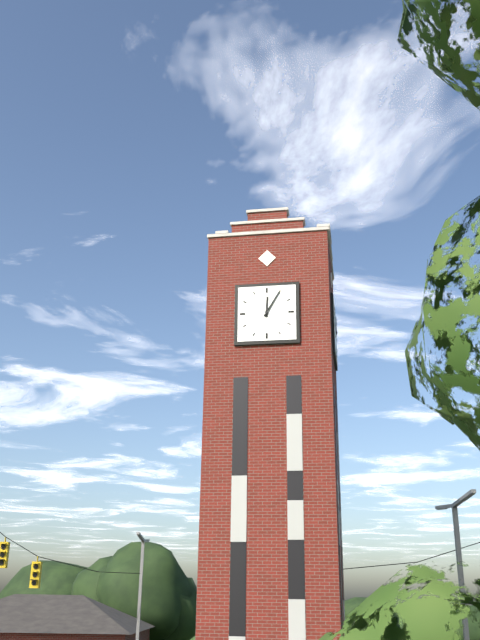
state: 12:05
